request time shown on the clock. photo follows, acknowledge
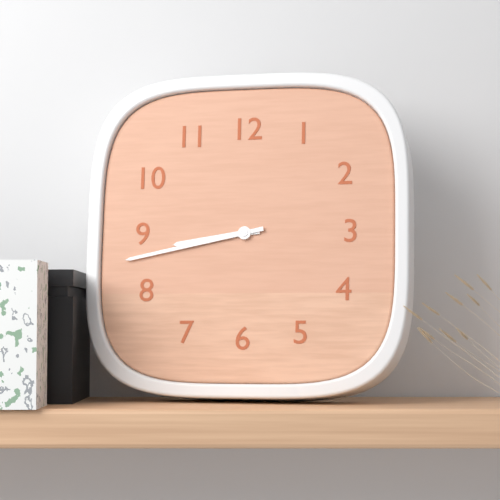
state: 8:43
